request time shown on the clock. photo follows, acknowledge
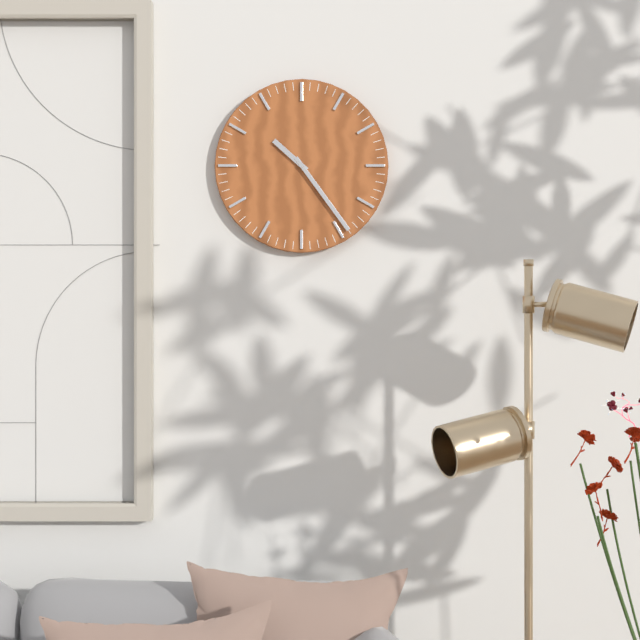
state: 10:24
